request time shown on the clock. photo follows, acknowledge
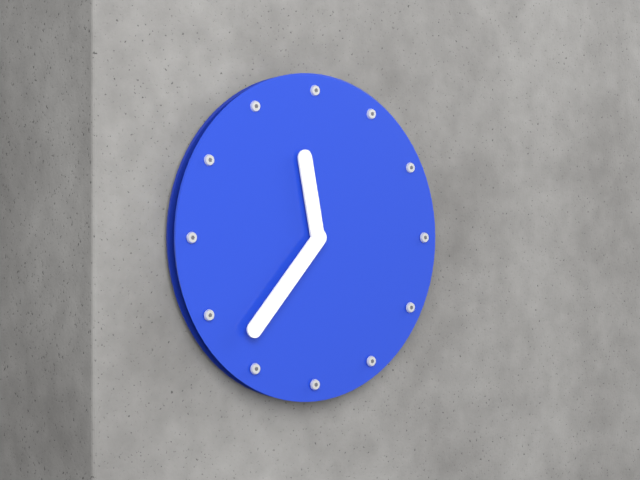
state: 11:37
